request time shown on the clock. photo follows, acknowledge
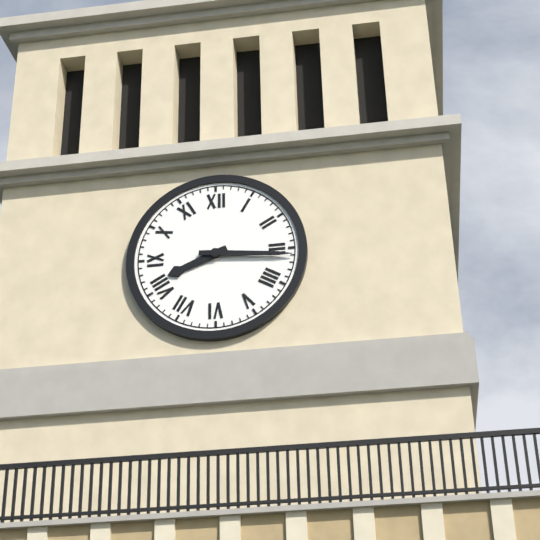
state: 8:16
